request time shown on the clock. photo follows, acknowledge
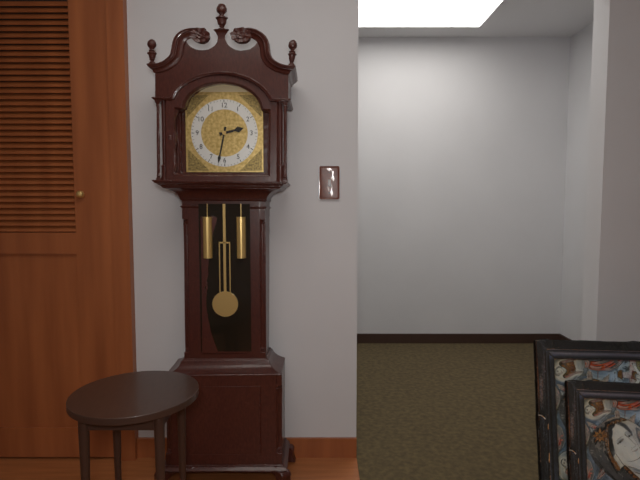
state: 2:32
